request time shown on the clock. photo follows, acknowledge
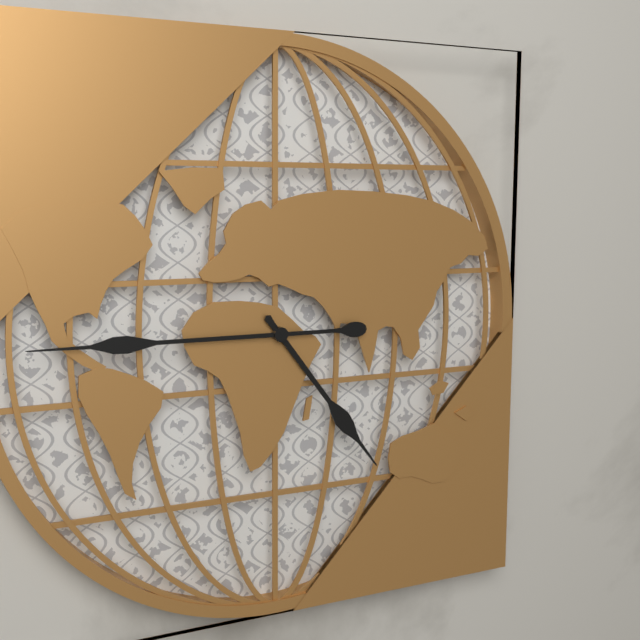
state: 4:45
